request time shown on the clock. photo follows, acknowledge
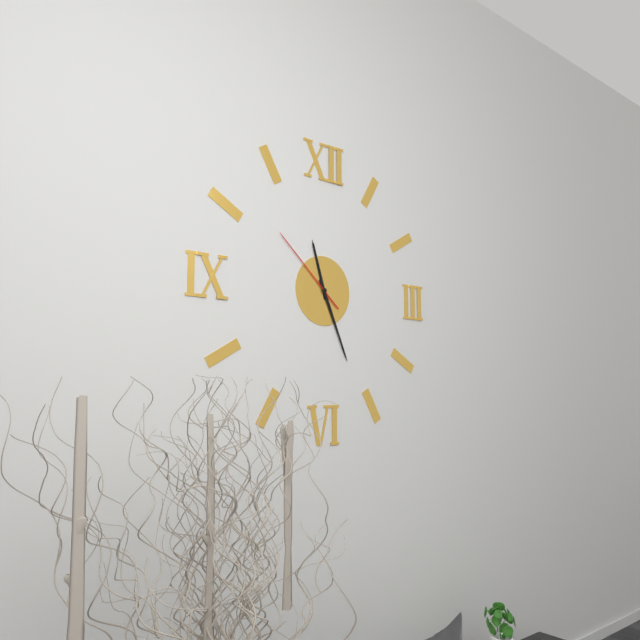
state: 11:26:52
